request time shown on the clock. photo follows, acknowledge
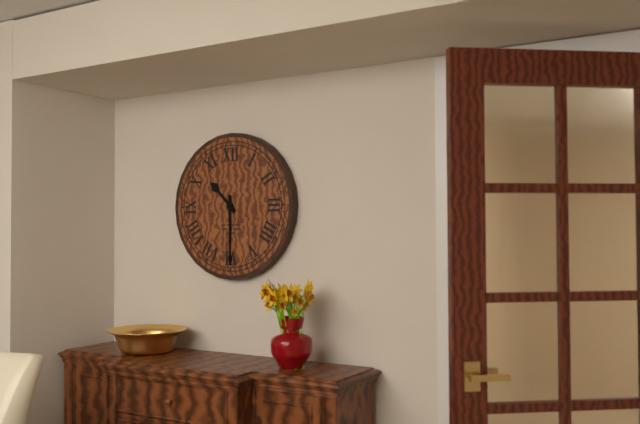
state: 10:30
